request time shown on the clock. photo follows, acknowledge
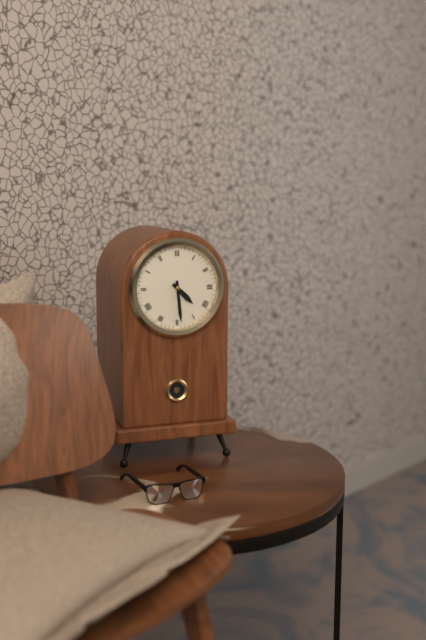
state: 4:29
